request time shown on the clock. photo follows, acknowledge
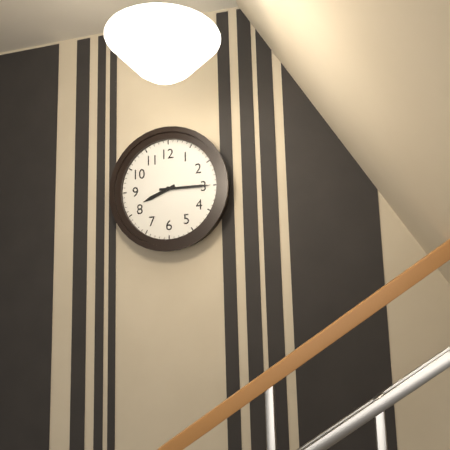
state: 8:15
